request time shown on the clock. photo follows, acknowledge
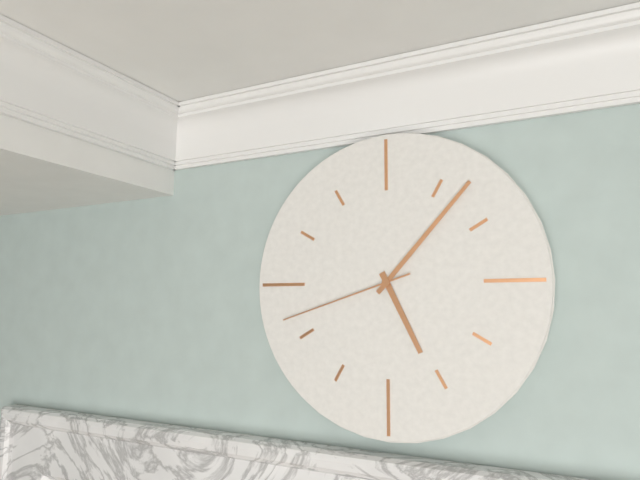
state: 5:07:42
